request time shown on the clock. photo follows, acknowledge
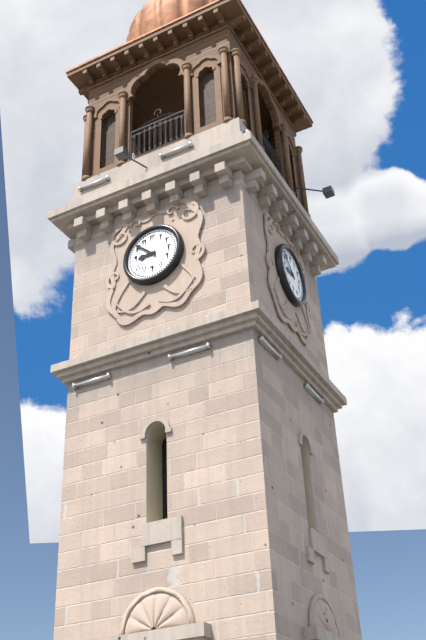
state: 8:52
